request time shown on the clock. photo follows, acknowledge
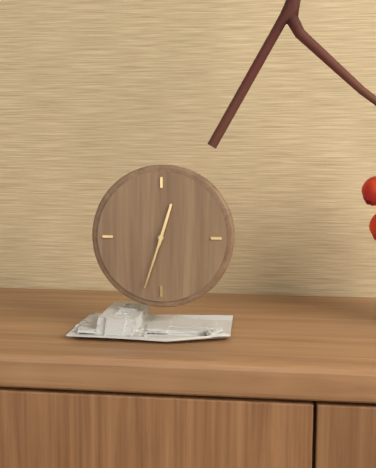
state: 12:33
